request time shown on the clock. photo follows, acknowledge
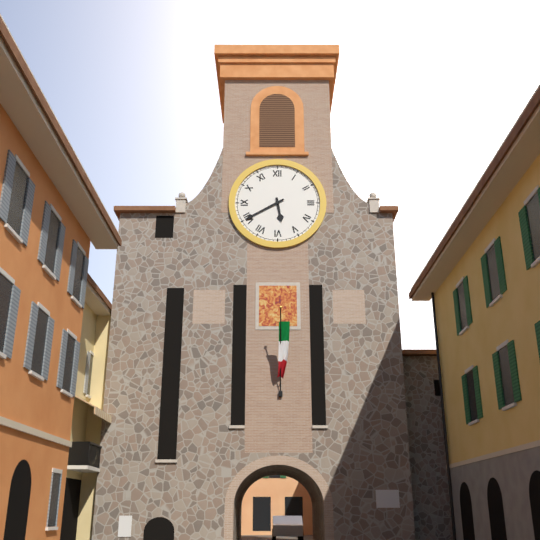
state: 5:40
